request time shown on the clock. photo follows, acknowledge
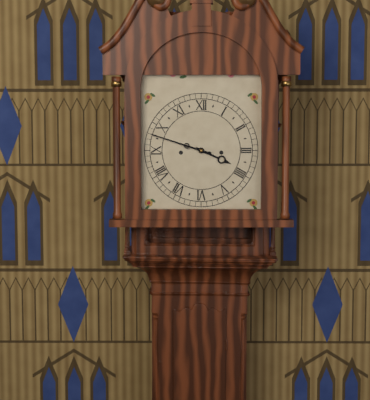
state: 3:48
